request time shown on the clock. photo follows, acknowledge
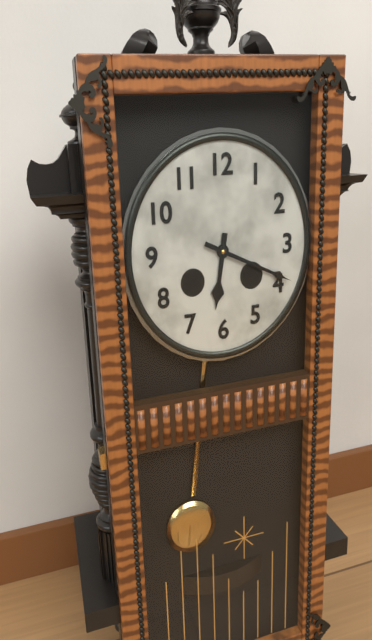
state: 6:19
